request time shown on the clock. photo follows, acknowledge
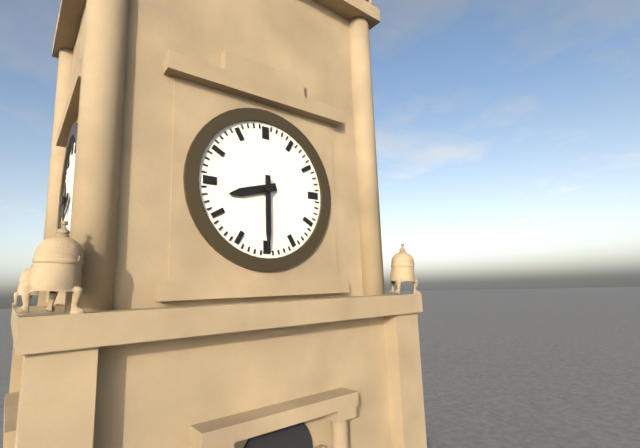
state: 8:30
